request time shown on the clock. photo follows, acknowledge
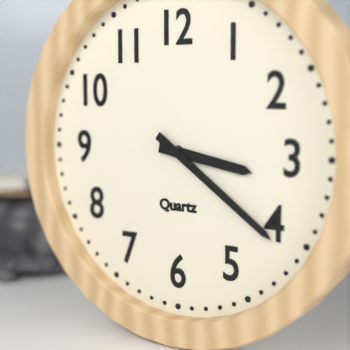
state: 3:21
